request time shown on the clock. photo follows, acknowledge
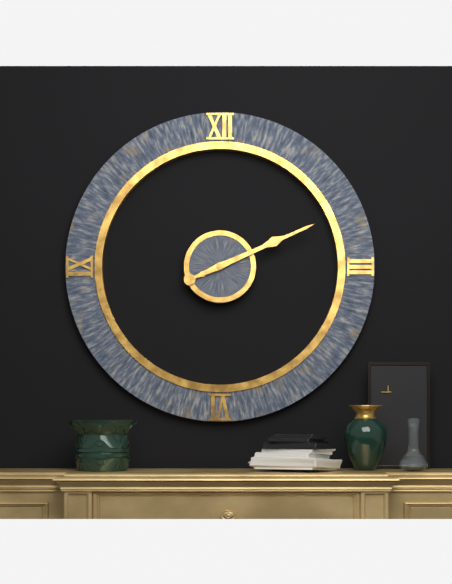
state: 2:11
